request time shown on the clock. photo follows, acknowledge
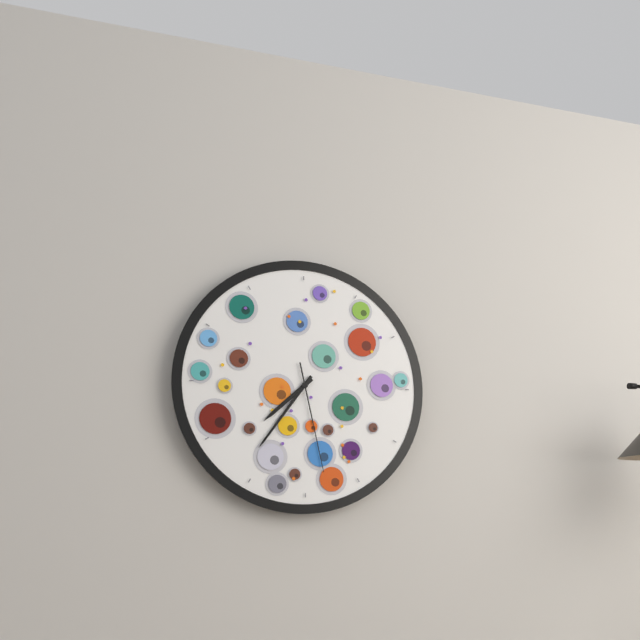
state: 7:36:28
